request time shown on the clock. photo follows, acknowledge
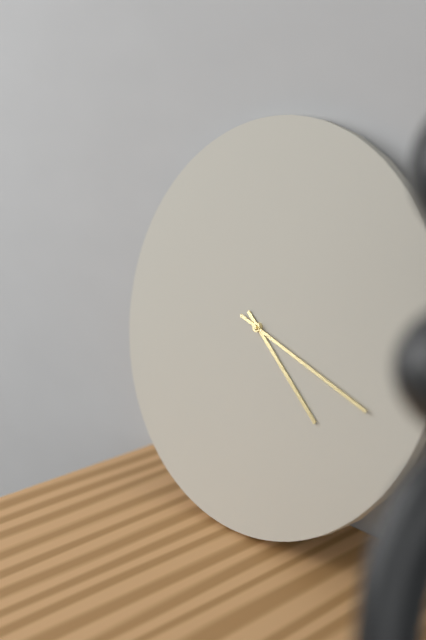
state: 4:18
